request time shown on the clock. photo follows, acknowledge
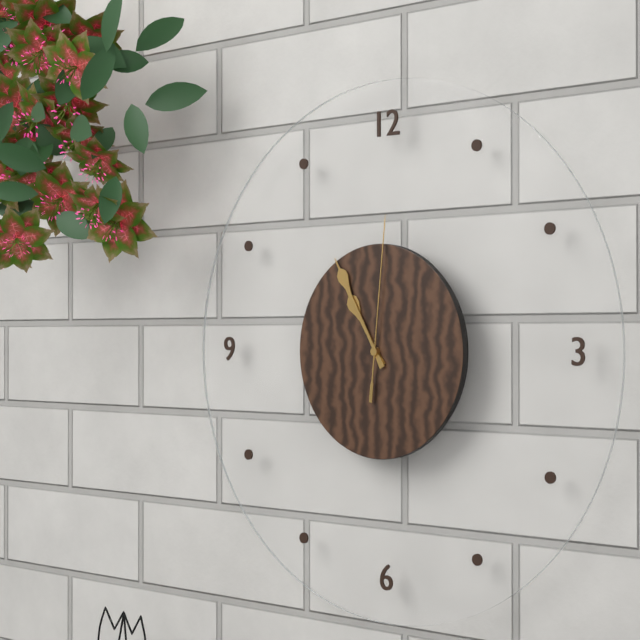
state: 10:55:01
